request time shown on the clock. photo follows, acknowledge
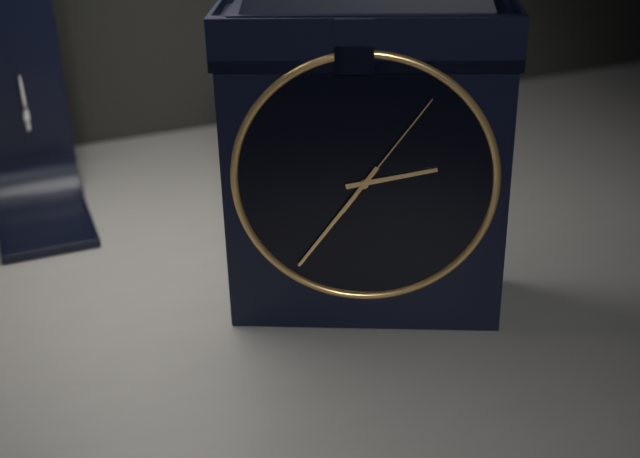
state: 2:36:06
